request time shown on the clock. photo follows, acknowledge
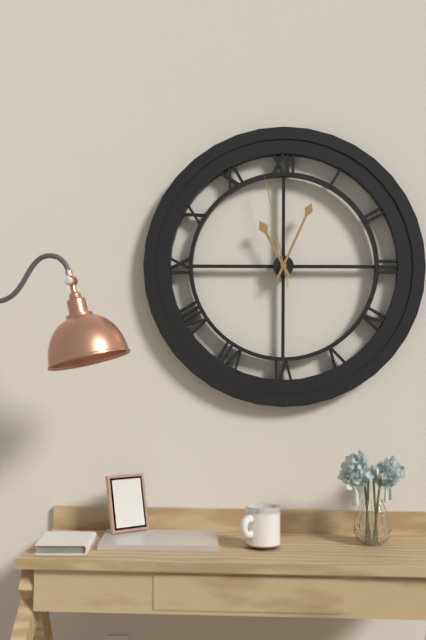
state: 11:04:58
